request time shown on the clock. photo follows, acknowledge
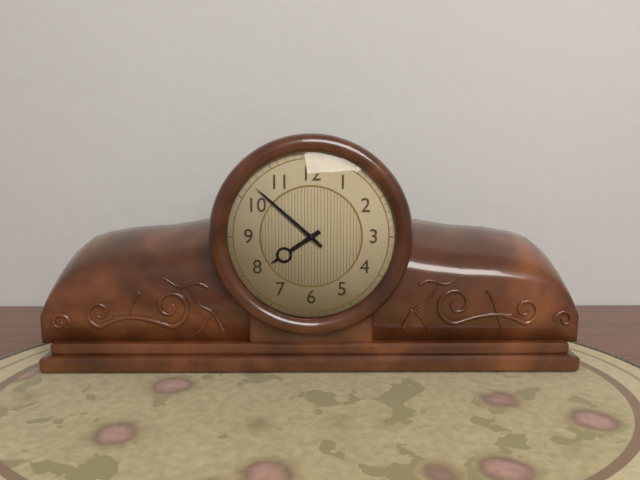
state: 7:52
